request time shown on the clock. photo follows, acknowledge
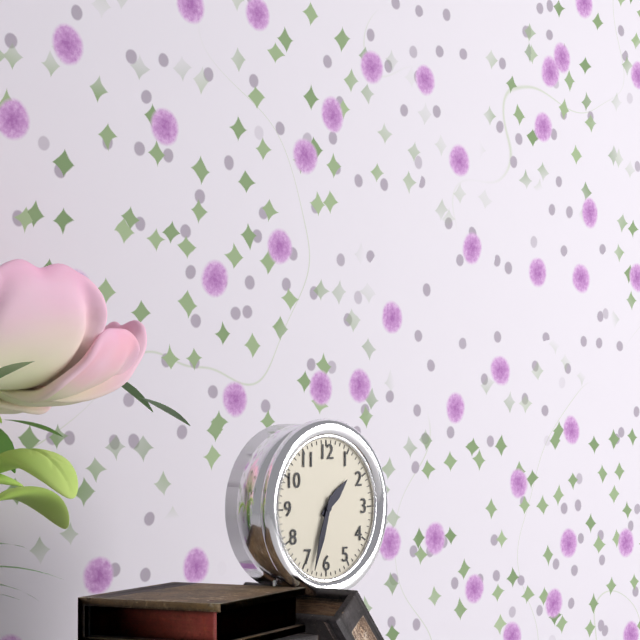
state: 1:33
